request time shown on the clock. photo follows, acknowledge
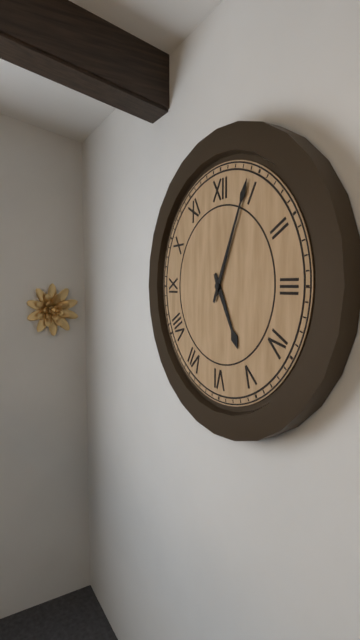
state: 5:04
